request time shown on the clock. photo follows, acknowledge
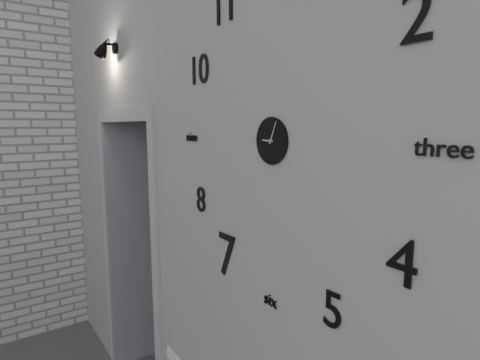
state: 9:04
